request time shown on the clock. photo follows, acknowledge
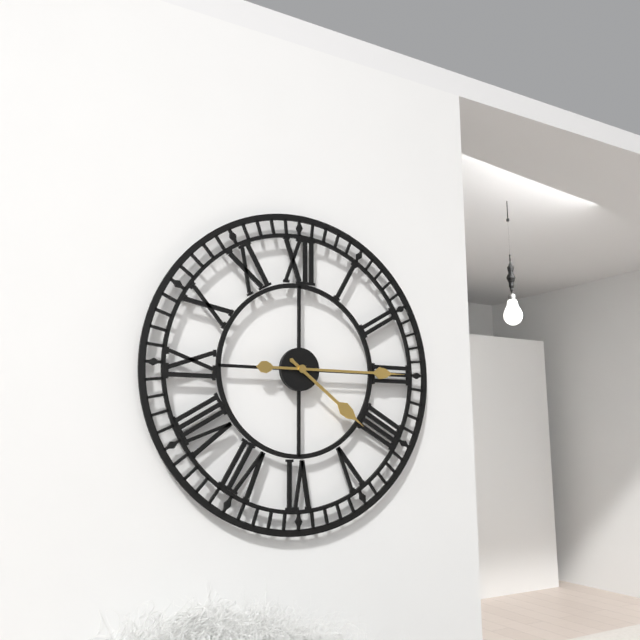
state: 4:15
